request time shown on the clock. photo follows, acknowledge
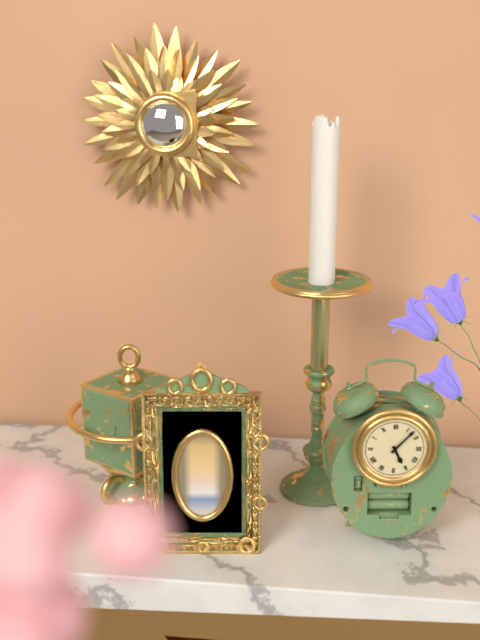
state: 5:07
